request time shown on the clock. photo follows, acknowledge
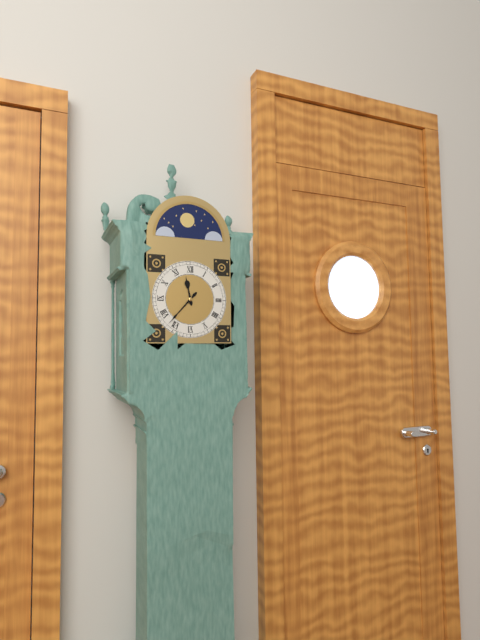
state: 11:37
